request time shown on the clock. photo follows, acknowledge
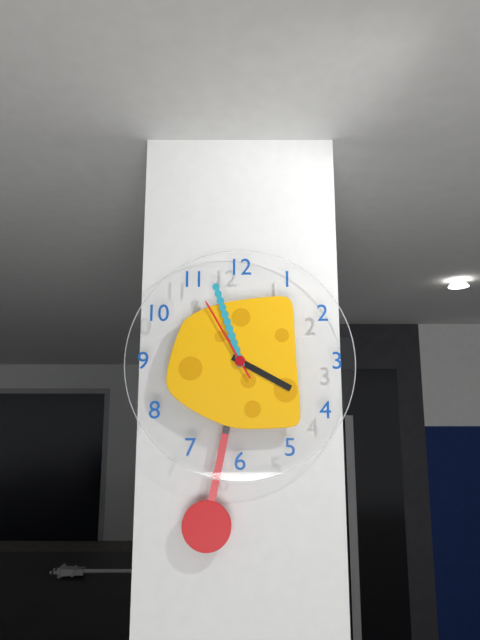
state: 3:57:55
